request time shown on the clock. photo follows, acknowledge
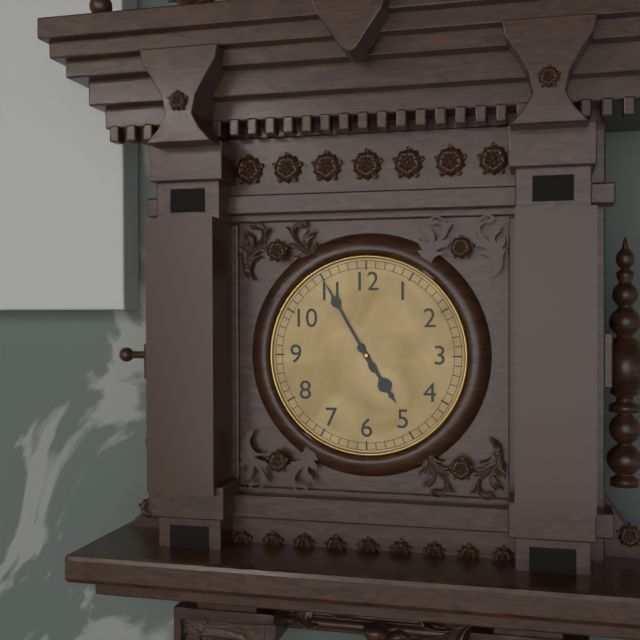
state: 4:55
